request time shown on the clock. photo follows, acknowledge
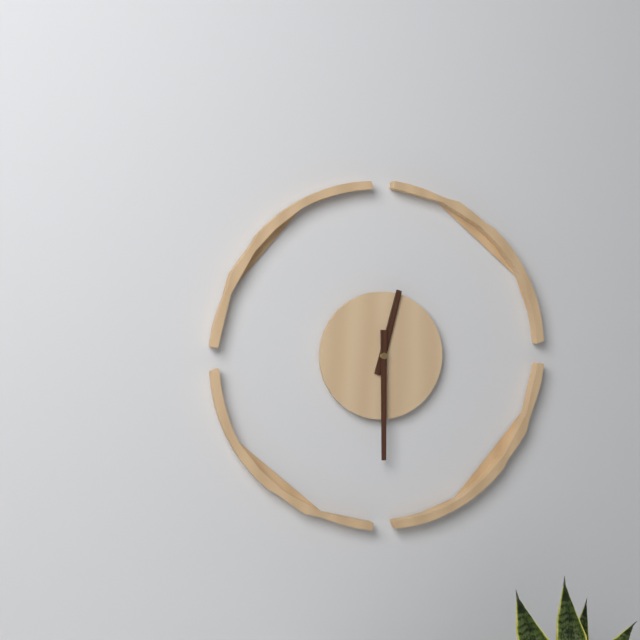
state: 12:30
